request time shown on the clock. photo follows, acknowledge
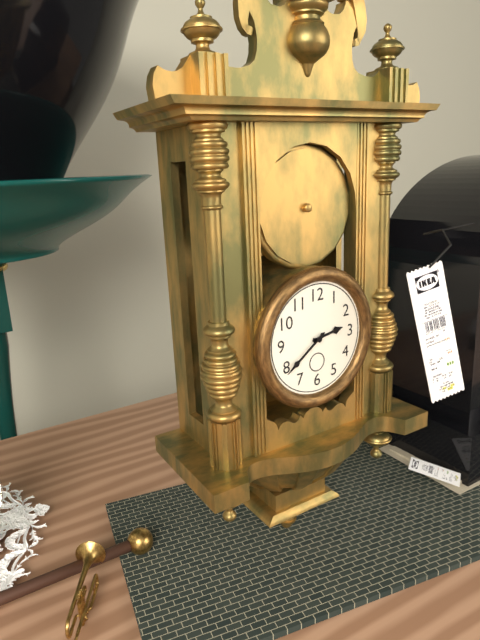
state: 2:39
